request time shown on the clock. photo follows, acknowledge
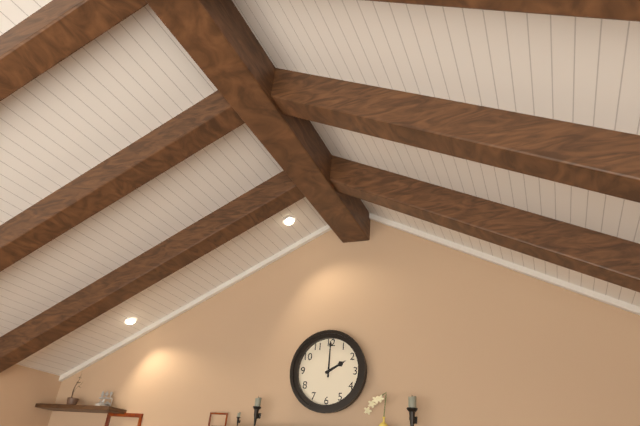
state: 2:00
